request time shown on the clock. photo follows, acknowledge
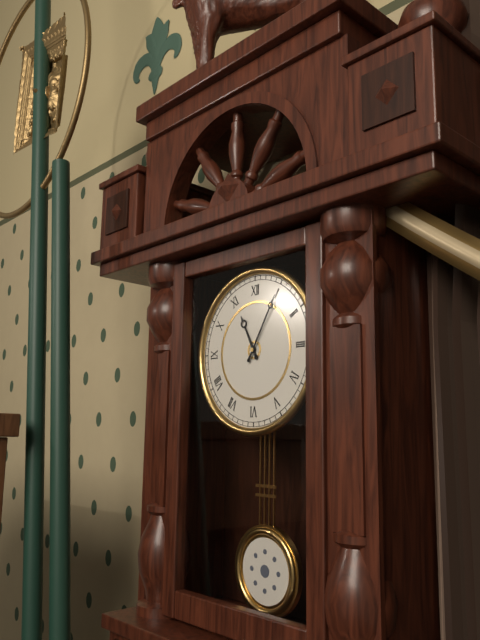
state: 11:05
